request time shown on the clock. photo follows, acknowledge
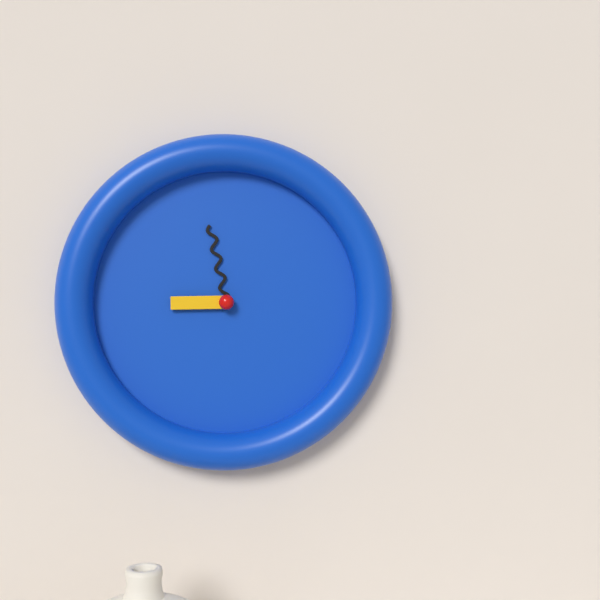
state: 8:58
